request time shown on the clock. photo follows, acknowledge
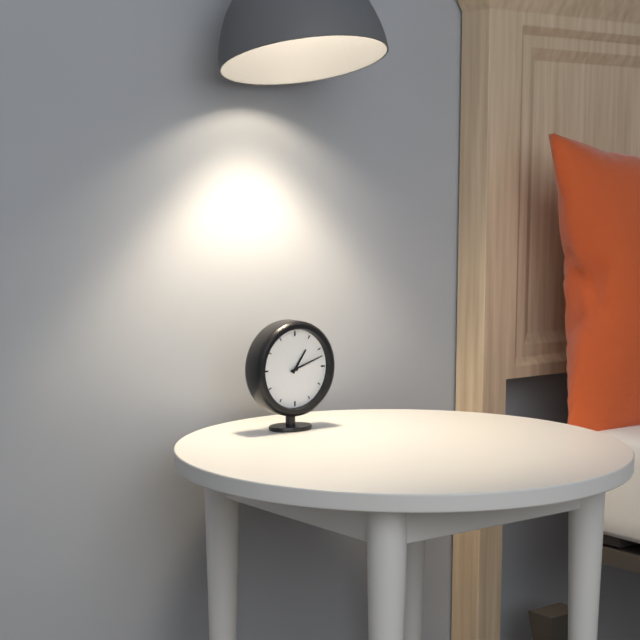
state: 1:12
